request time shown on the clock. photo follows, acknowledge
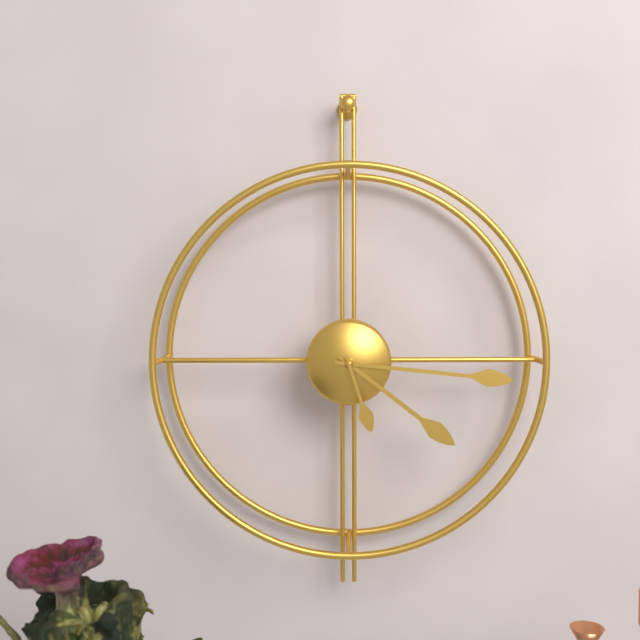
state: 4:16:27
